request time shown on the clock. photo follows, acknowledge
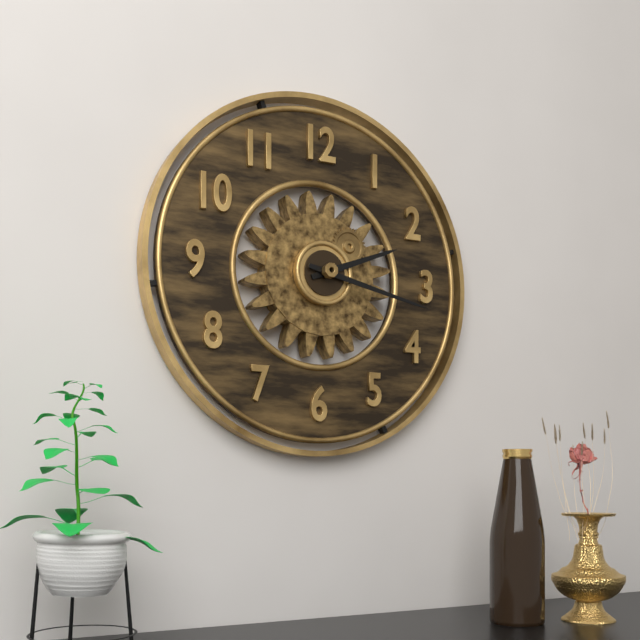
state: 2:17
